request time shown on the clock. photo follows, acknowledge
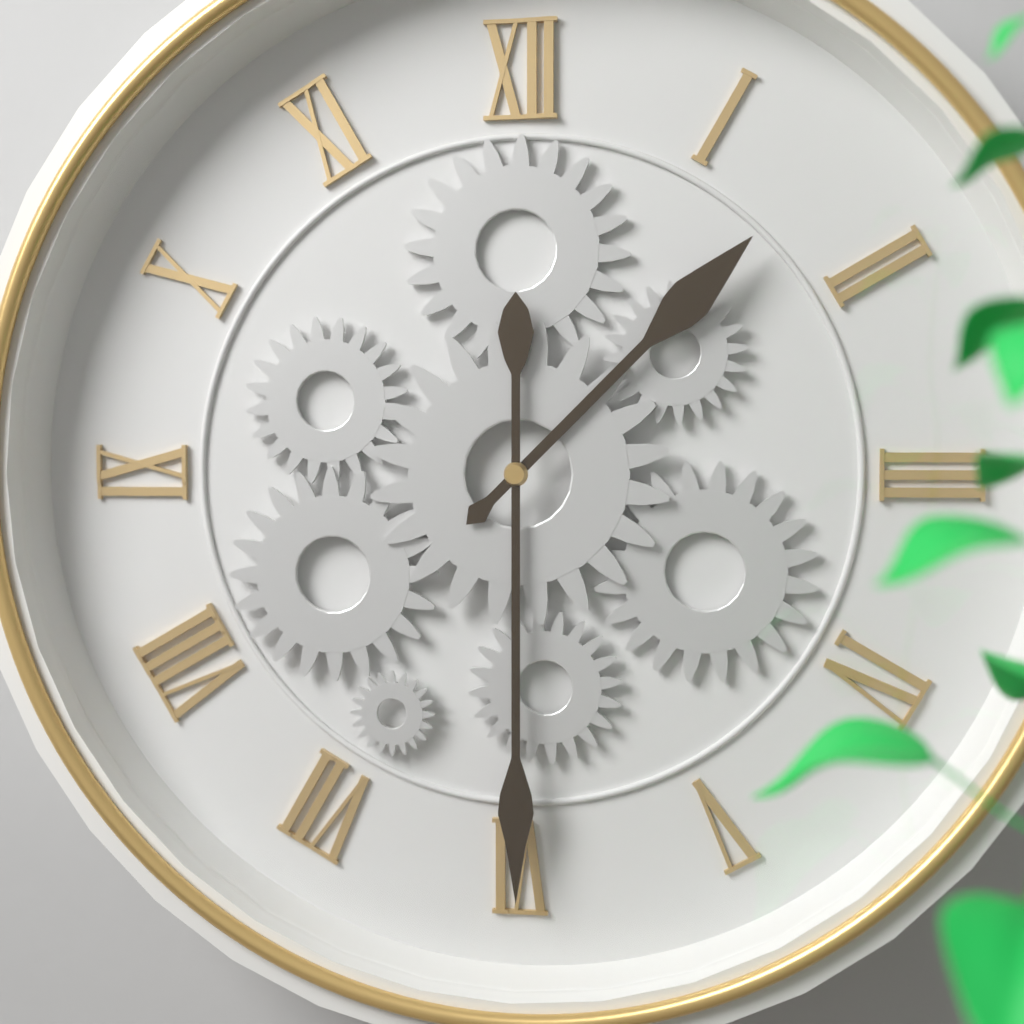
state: 1:30
